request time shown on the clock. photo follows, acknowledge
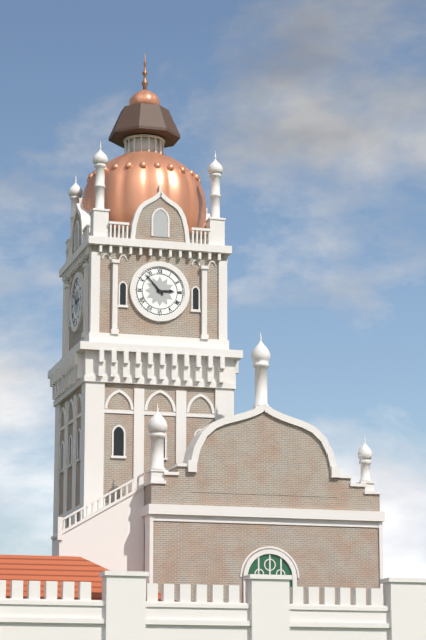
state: 2:53
